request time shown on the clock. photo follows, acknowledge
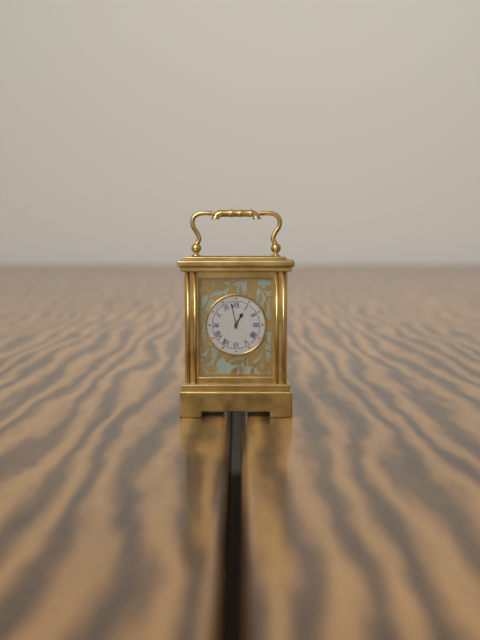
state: 12:58
